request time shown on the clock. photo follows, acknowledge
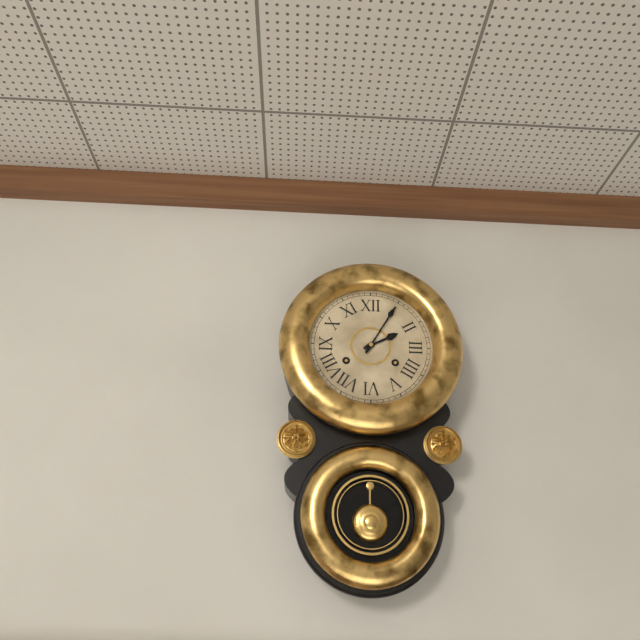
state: 2:05
